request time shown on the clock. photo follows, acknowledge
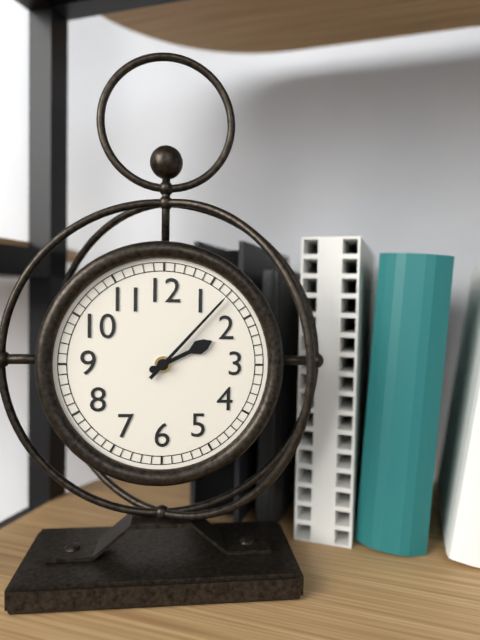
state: 2:07
